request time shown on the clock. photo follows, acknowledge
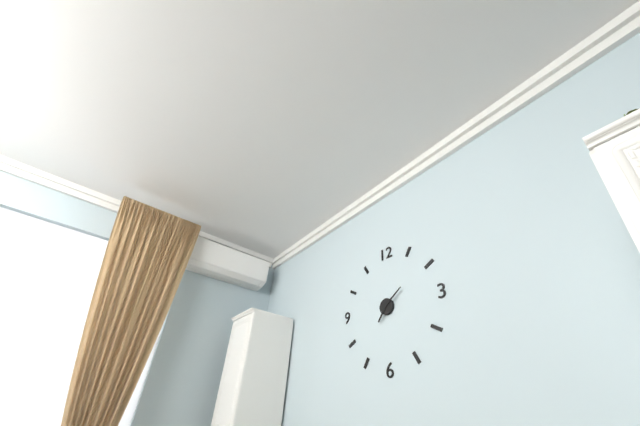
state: 7:09
